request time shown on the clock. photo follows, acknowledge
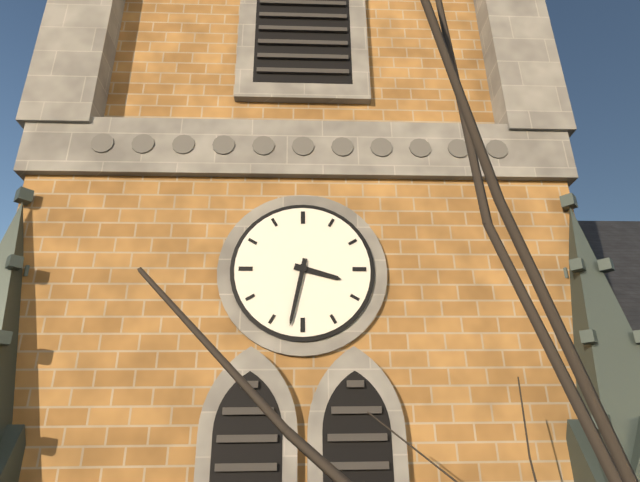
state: 3:32
